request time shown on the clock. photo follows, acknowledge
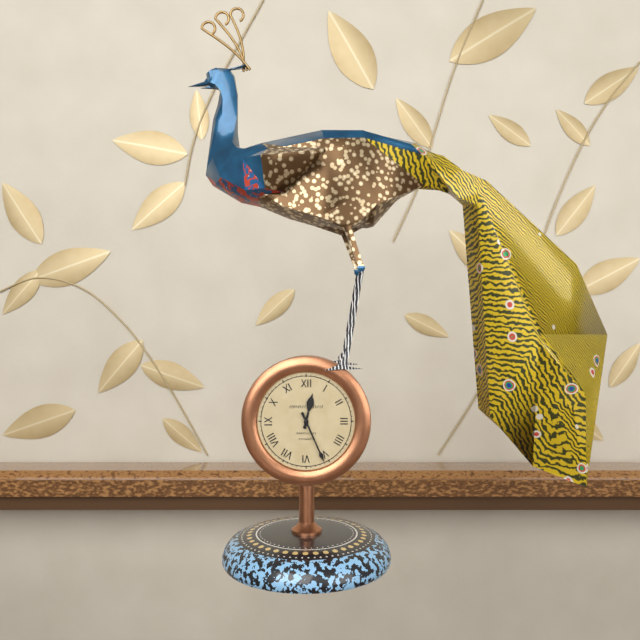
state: 12:26
